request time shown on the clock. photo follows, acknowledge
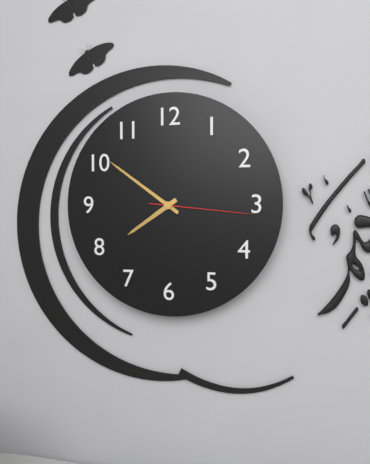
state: 7:51:16
